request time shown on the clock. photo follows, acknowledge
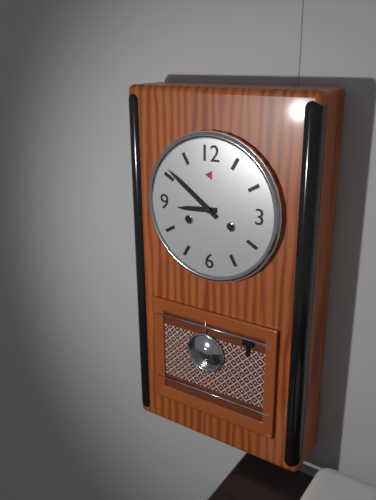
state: 8:51
